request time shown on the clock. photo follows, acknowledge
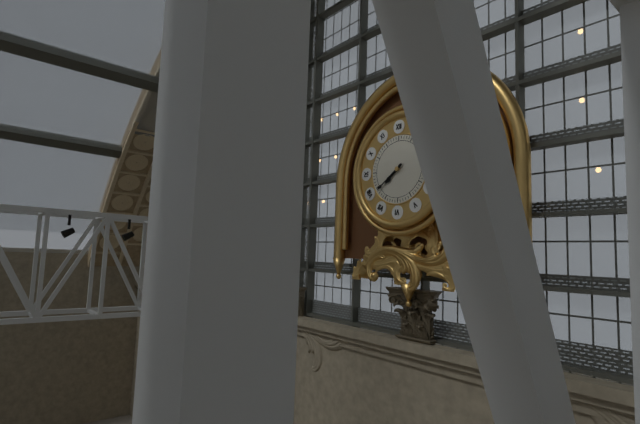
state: 7:39
